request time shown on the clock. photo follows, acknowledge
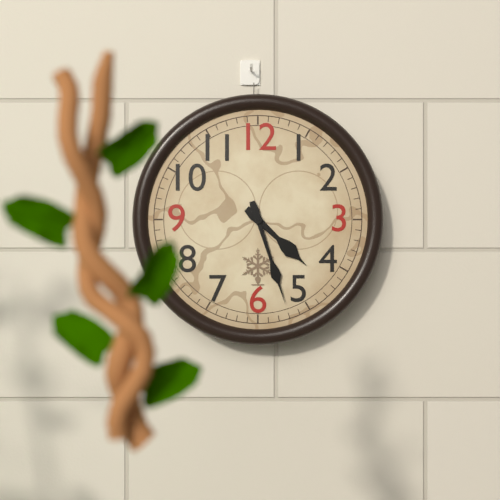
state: 4:27
